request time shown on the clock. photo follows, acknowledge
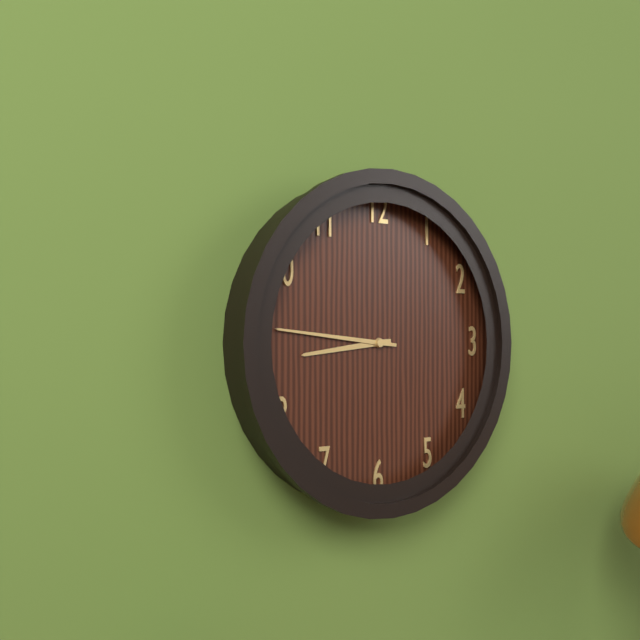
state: 8:46
